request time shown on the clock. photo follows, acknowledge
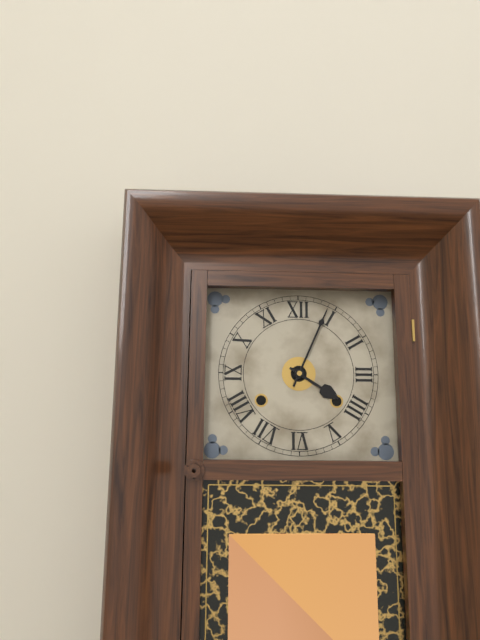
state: 4:04
